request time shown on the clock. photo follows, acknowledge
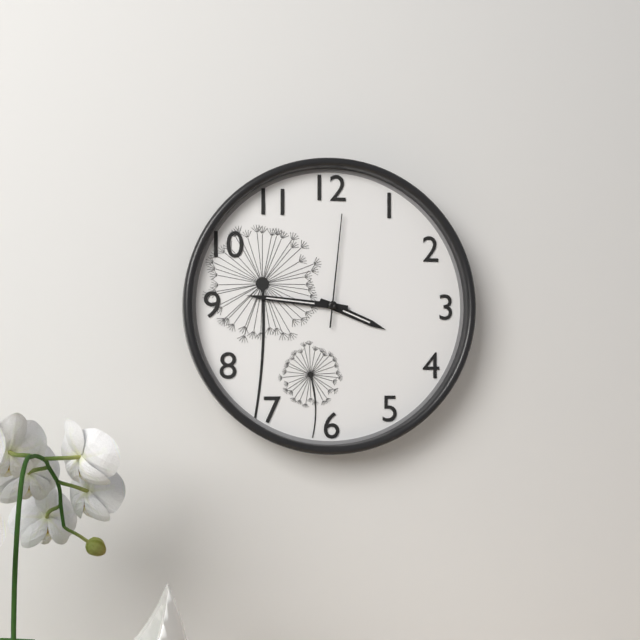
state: 3:46:01
